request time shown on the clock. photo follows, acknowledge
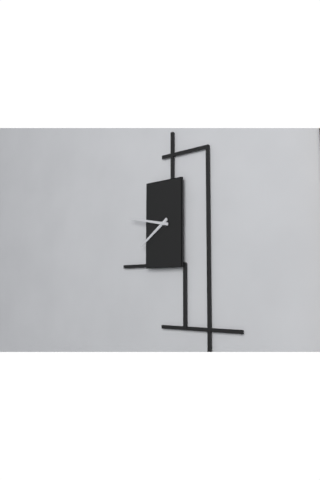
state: 7:47
